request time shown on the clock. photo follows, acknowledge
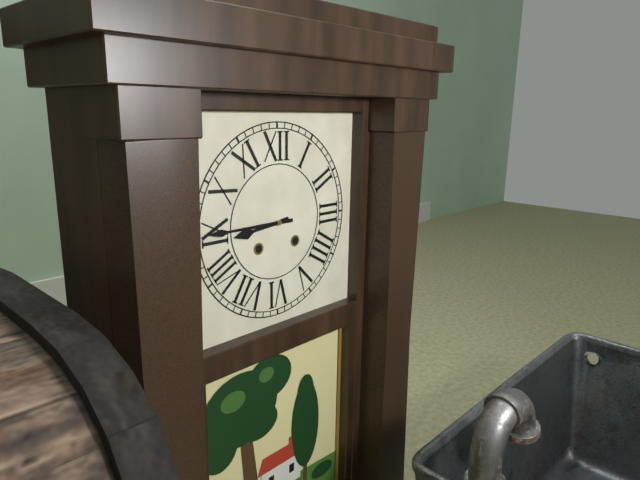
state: 8:45
